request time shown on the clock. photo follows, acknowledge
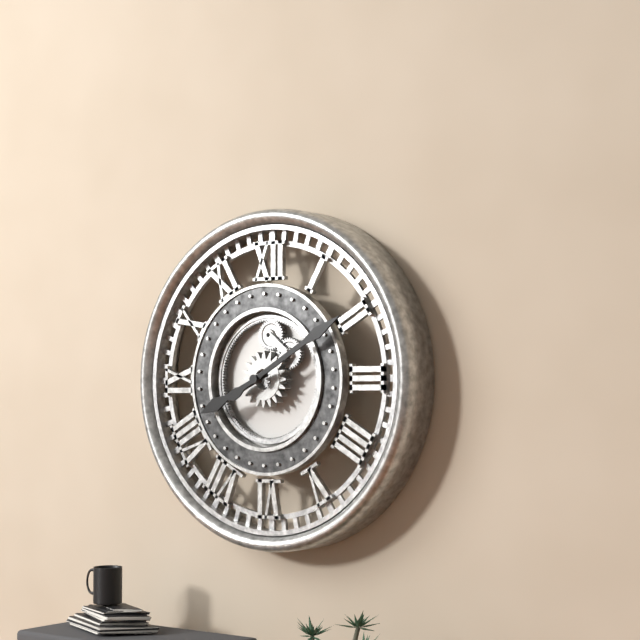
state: 8:10
